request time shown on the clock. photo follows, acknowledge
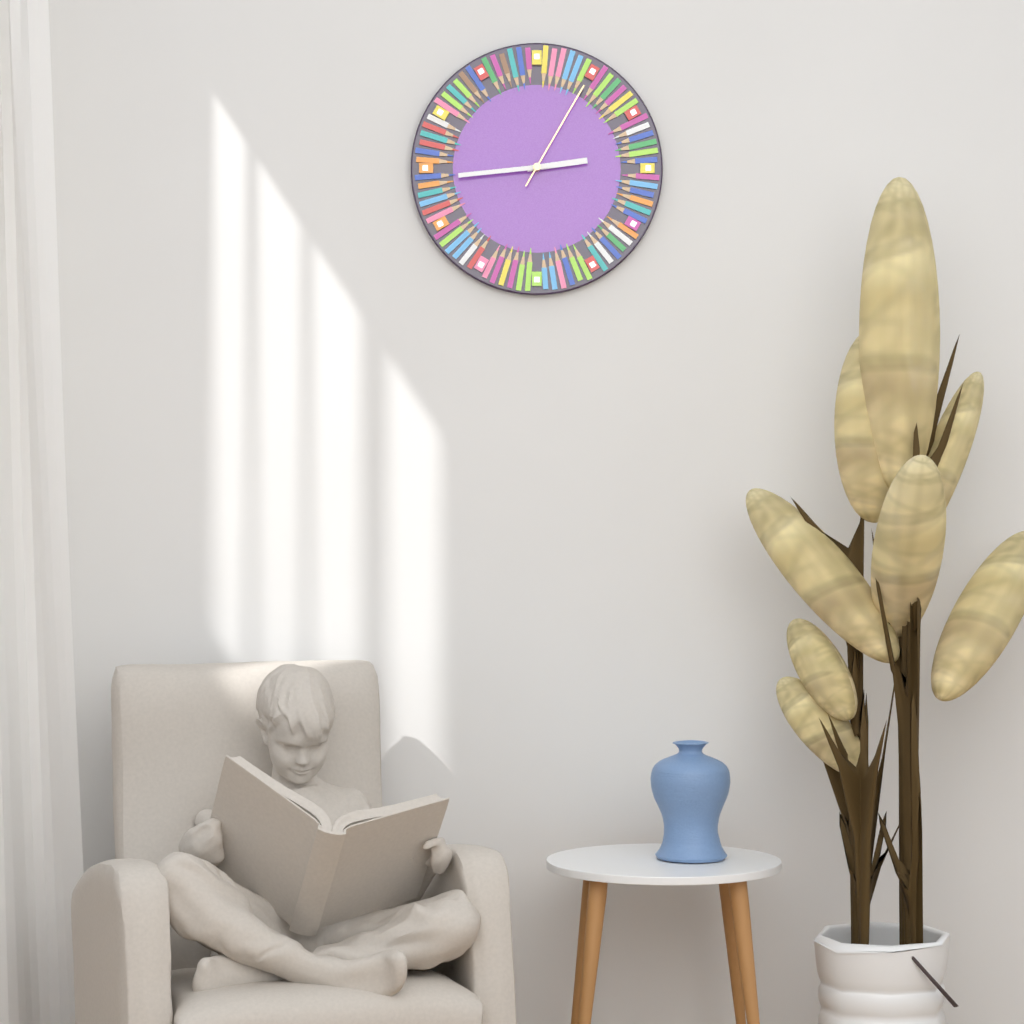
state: 2:44:05
